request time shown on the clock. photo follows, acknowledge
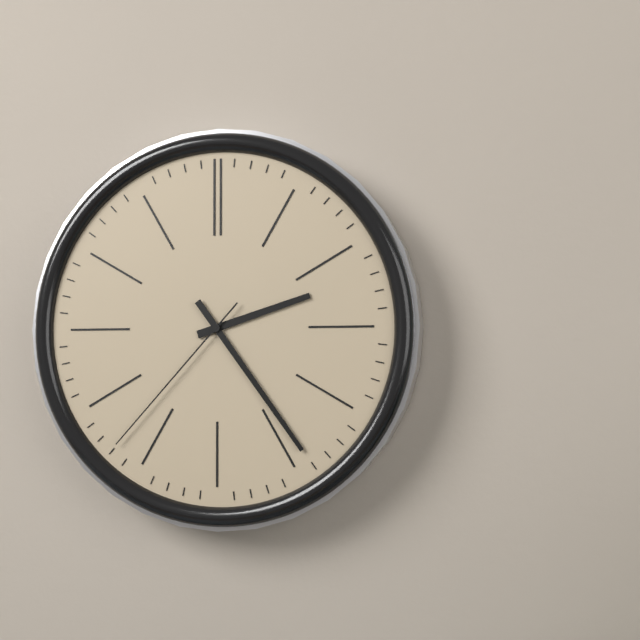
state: 2:24:37
